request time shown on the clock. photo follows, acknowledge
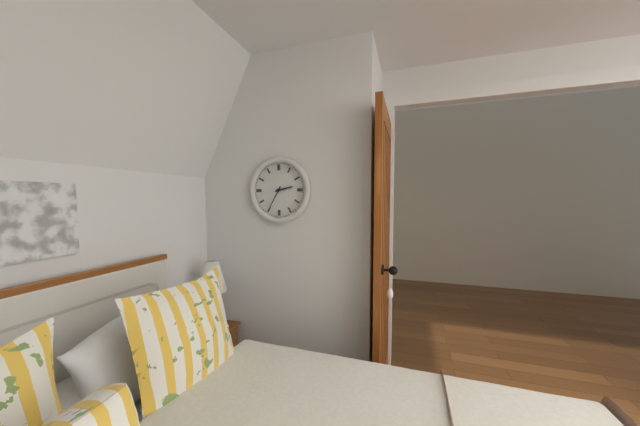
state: 2:35
